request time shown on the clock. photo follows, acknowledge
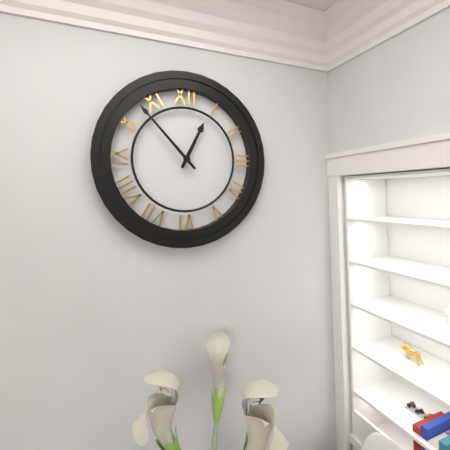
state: 12:53
